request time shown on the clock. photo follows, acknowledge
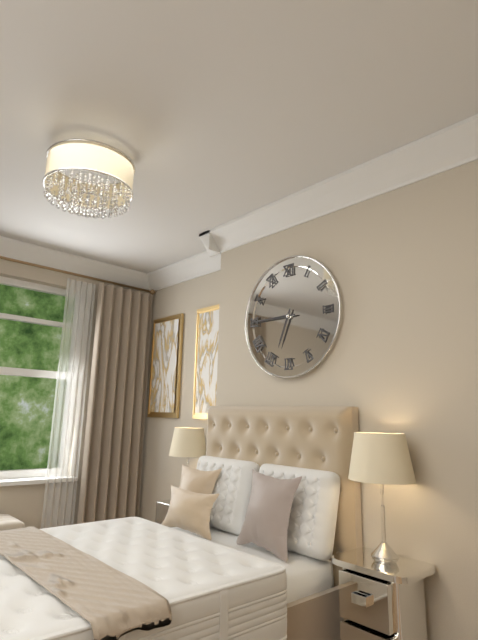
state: 6:45
